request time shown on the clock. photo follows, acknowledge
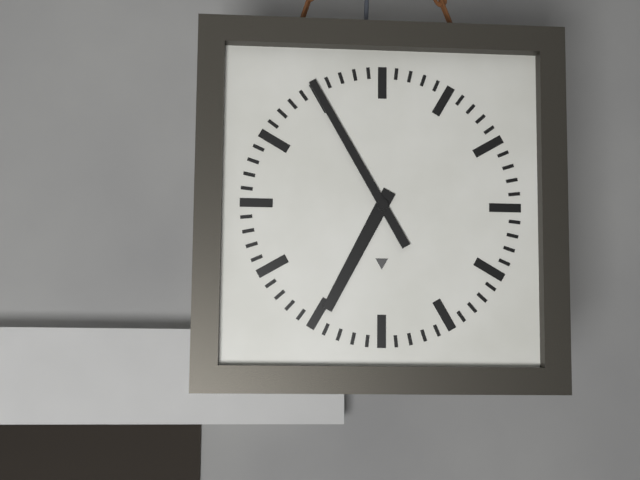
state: 6:55
